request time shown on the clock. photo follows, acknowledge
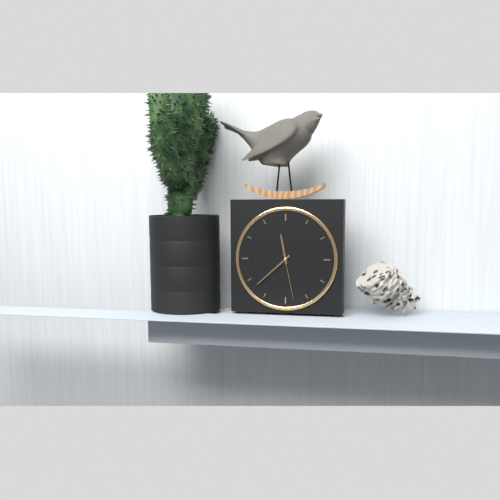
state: 11:38:28
